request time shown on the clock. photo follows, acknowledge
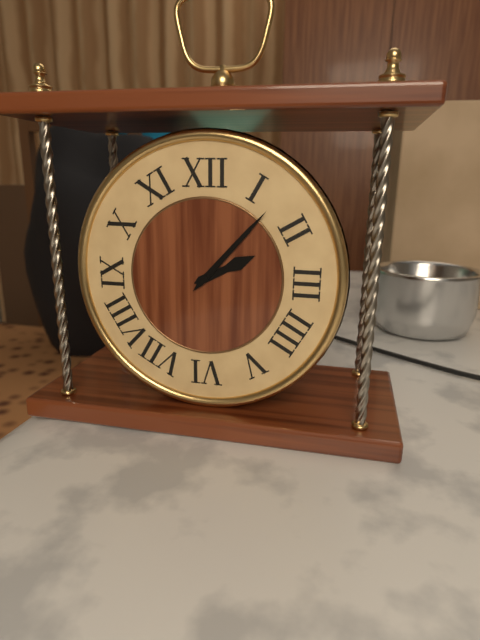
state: 2:07
